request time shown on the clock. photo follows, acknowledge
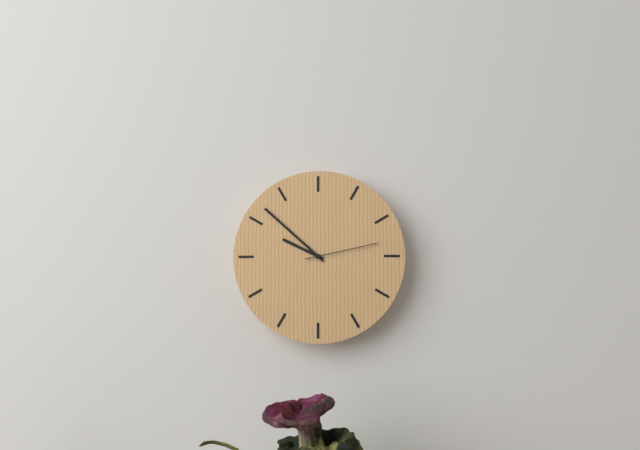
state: 9:52:13
